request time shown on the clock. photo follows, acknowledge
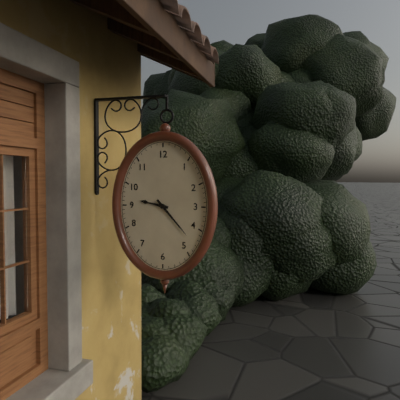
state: 9:23
